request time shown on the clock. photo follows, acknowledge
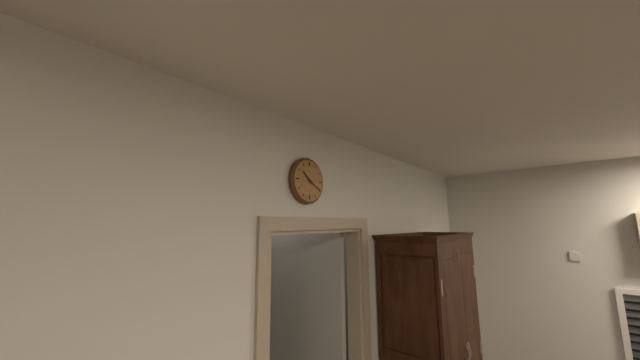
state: 10:20
